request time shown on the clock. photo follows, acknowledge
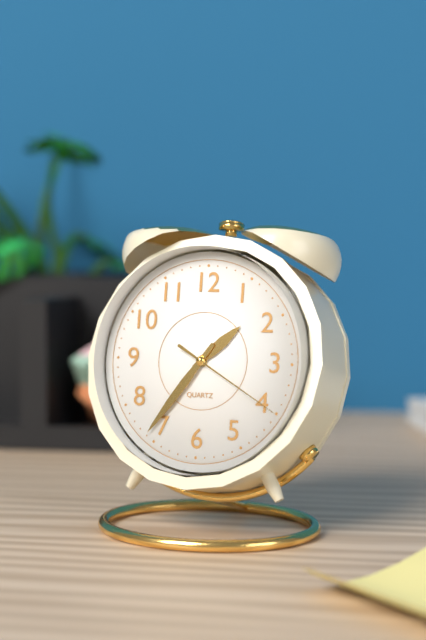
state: 1:36:20
